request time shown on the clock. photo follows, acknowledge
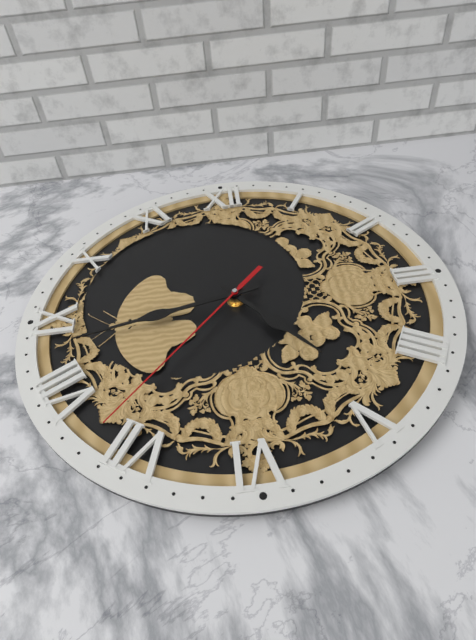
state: 4:43:37
